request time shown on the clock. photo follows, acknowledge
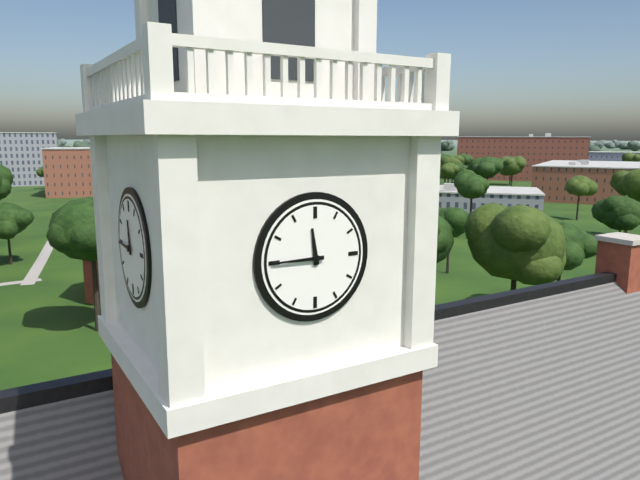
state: 11:45
